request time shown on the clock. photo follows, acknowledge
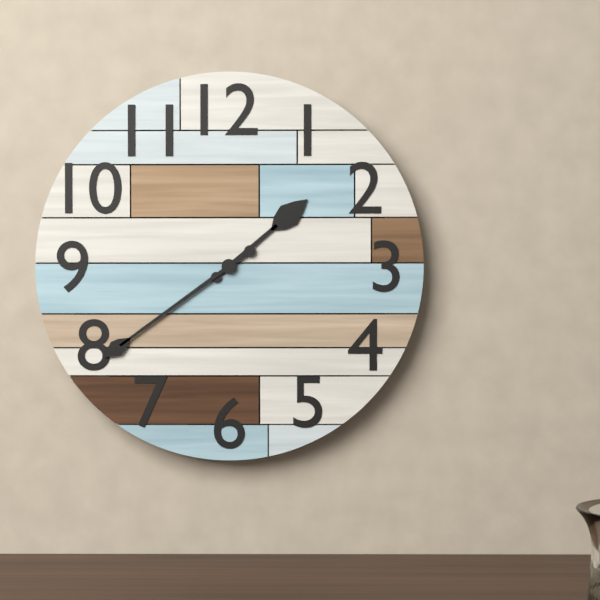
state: 1:39
